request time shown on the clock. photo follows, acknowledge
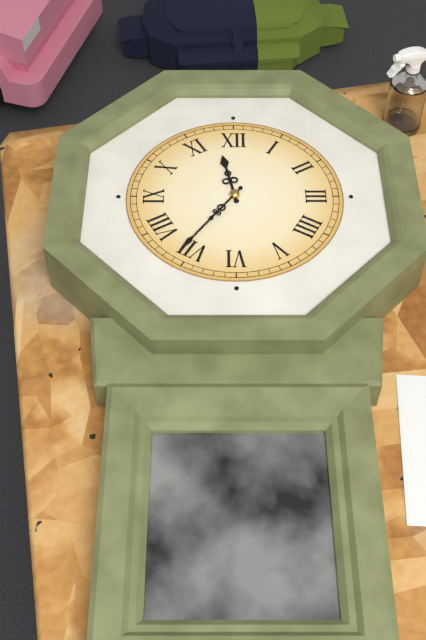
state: 11:36
